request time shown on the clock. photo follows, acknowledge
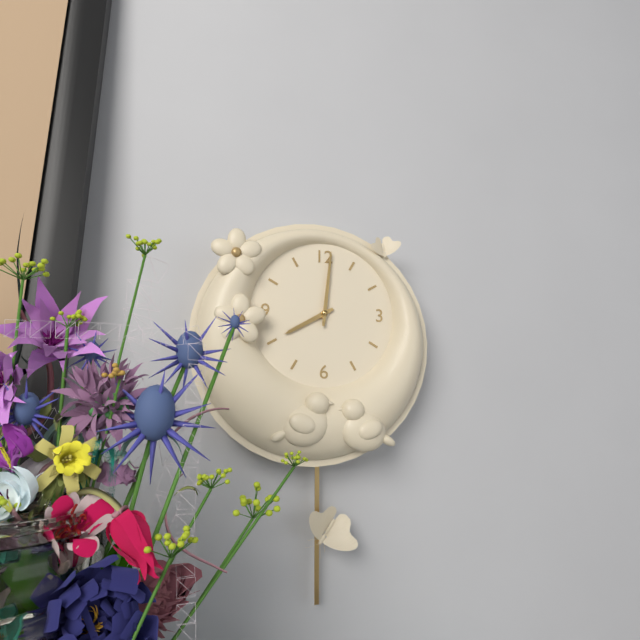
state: 8:01
